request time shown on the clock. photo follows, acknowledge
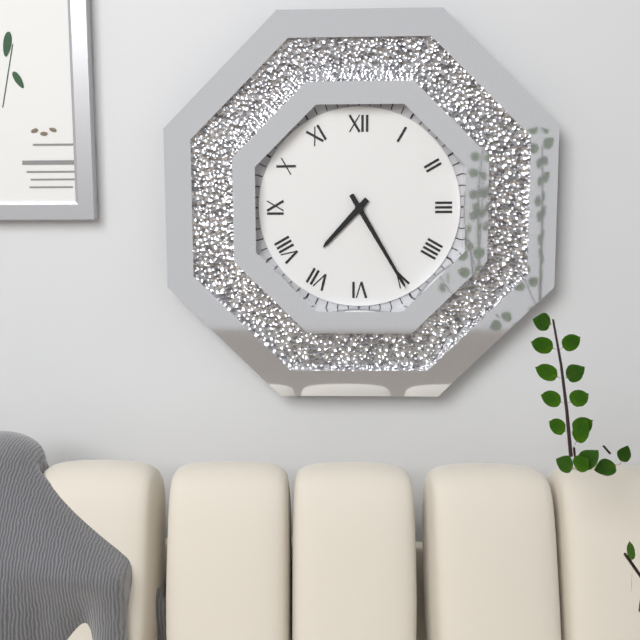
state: 7:25
